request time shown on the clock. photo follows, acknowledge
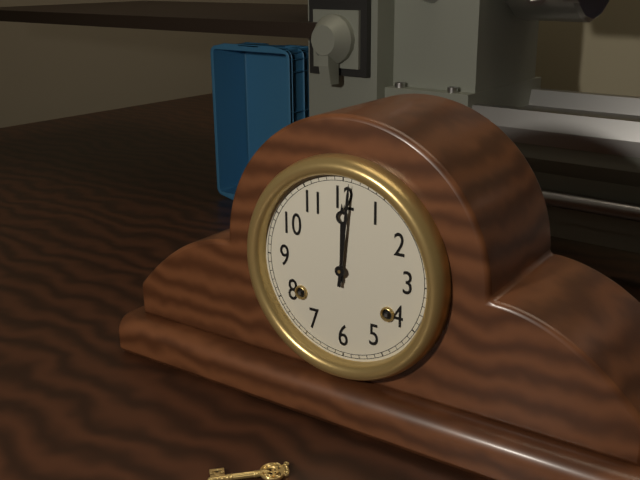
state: 12:01
